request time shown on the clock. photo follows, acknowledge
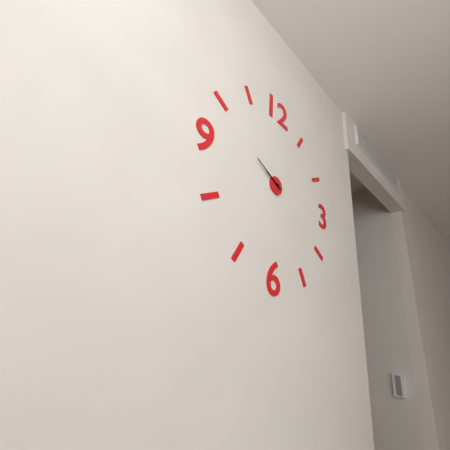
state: 9:49
